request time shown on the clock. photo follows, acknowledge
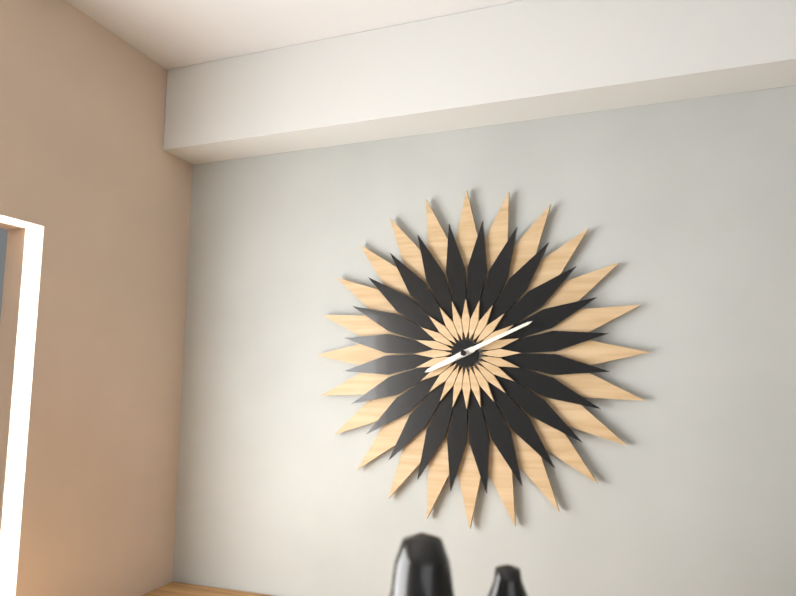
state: 8:11
